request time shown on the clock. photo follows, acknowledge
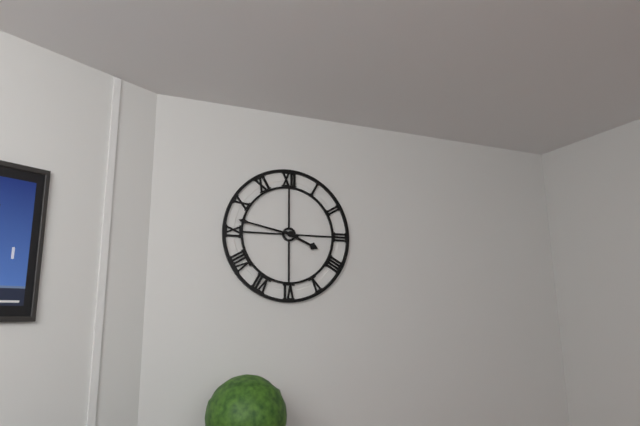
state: 3:47
